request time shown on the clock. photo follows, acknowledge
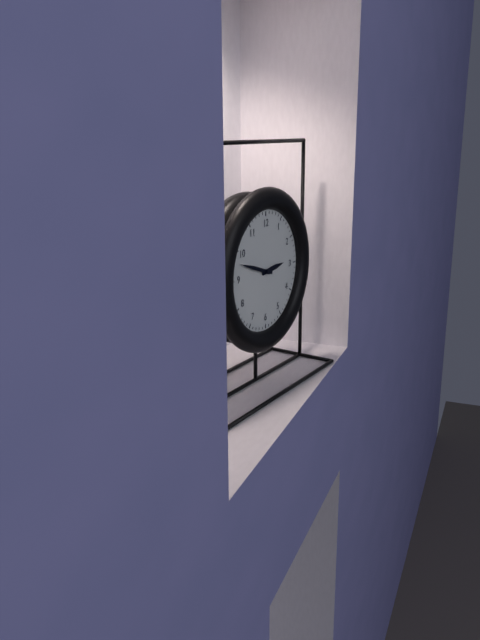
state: 2:48
